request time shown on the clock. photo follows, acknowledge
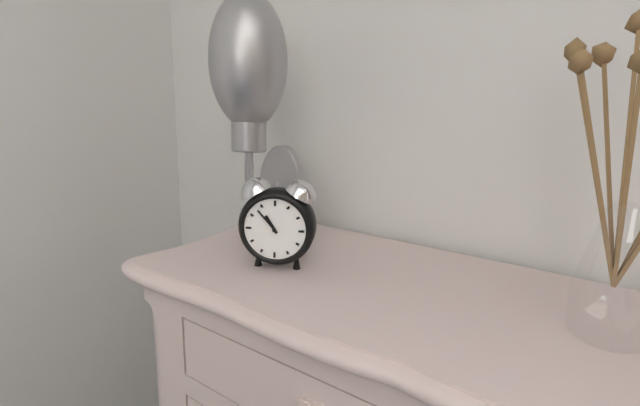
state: 10:53
